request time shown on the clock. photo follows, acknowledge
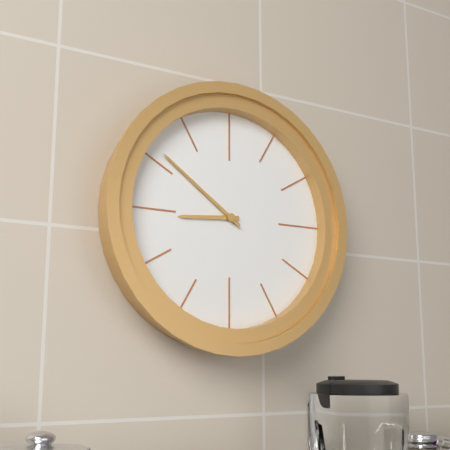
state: 8:51
